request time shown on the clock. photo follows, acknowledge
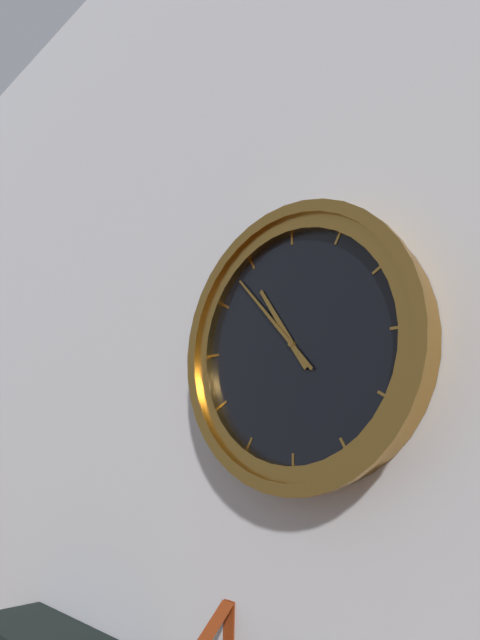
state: 10:53
